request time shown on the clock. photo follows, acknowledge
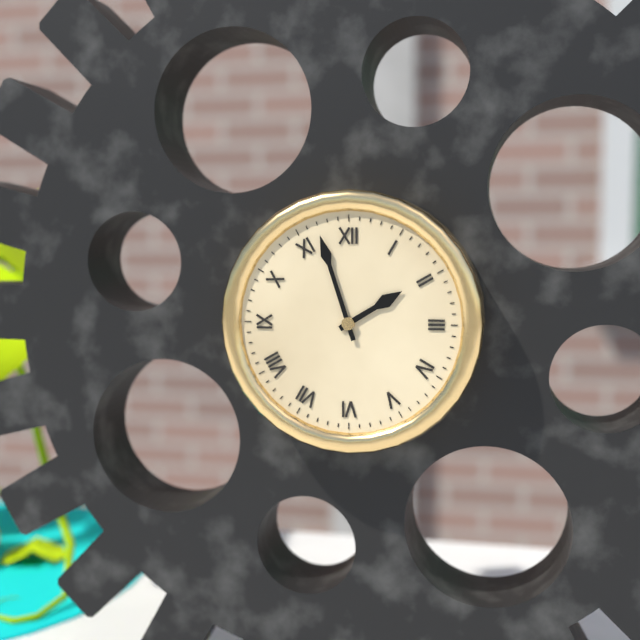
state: 1:57
